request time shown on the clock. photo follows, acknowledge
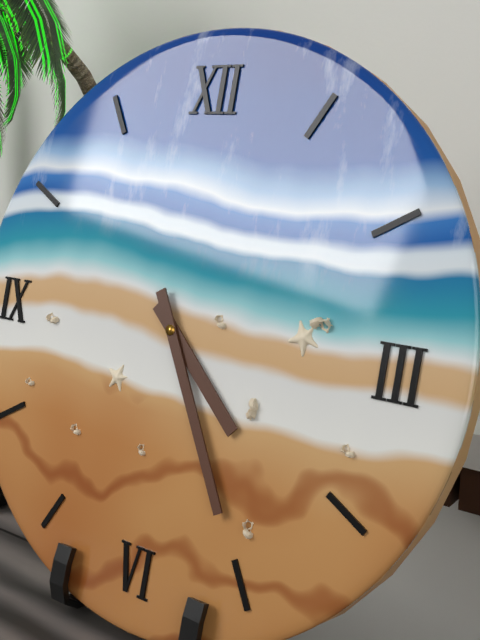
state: 4:25
